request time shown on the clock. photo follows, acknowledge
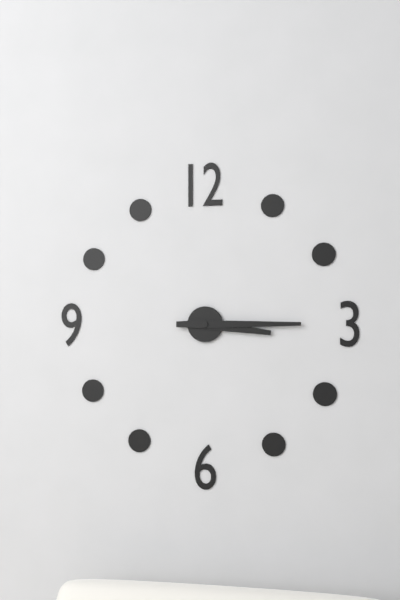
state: 3:15
